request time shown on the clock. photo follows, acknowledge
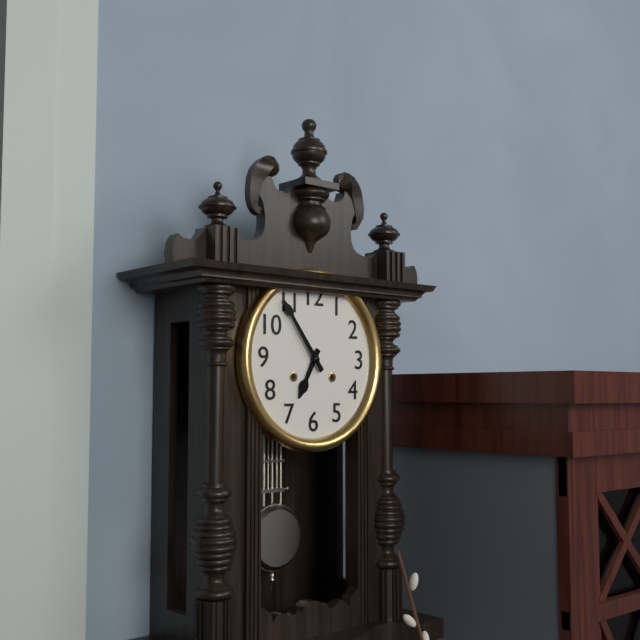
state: 6:54
